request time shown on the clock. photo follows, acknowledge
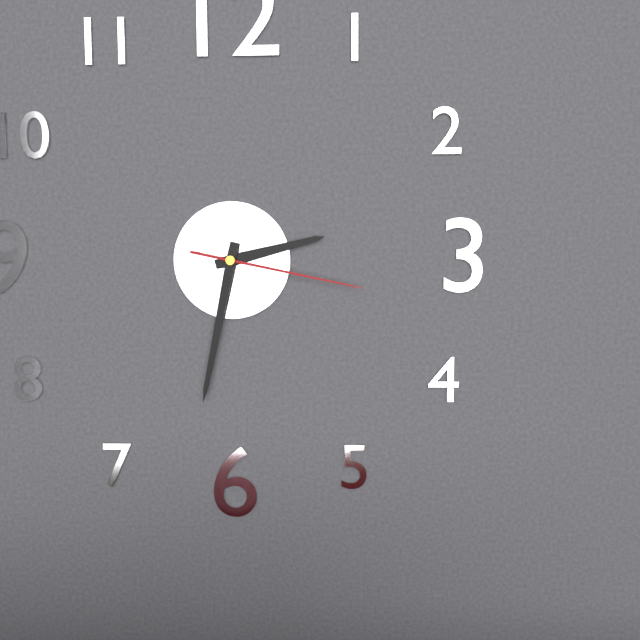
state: 2:32:17
